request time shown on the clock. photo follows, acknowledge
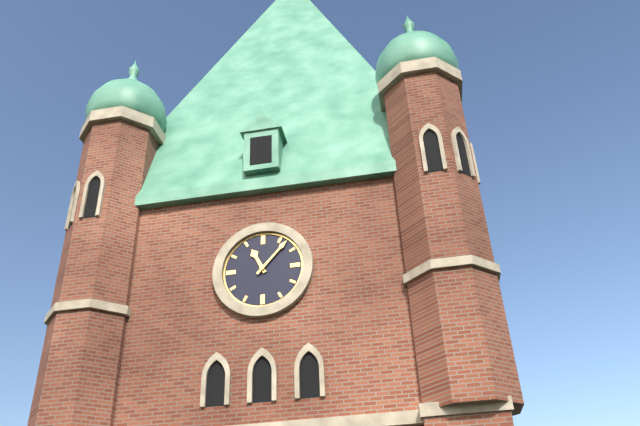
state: 11:07
